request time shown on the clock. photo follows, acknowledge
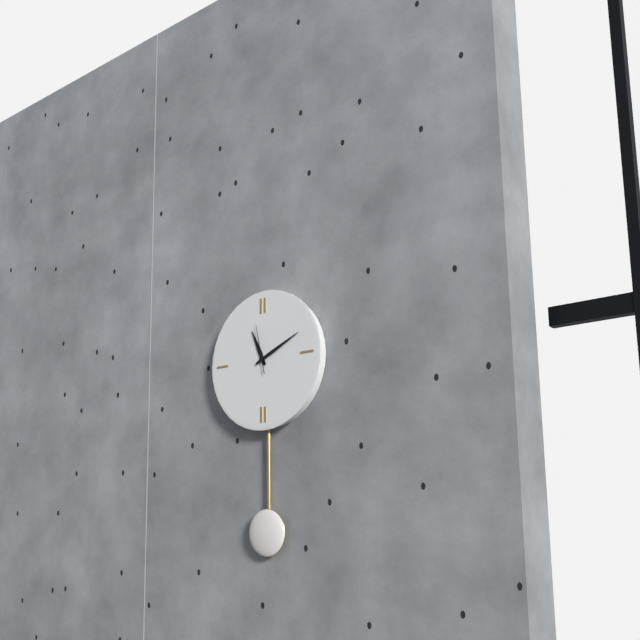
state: 11:11
